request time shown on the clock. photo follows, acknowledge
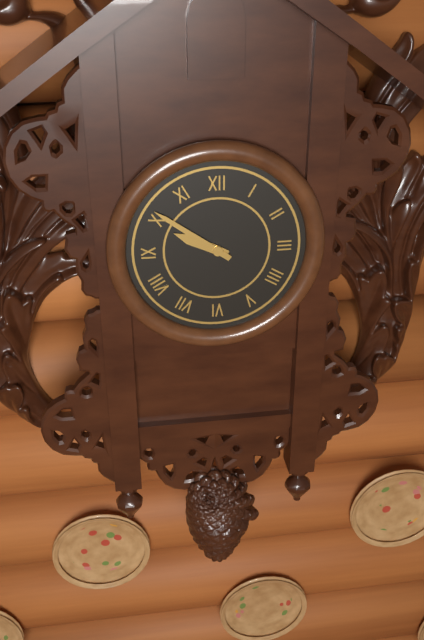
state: 9:51
